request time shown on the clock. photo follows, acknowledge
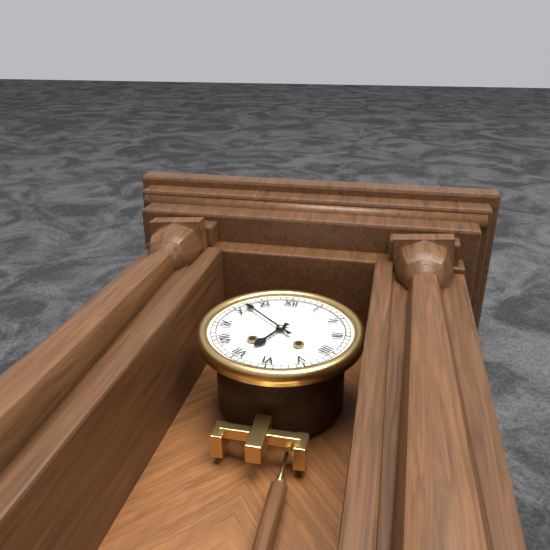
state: 6:52
